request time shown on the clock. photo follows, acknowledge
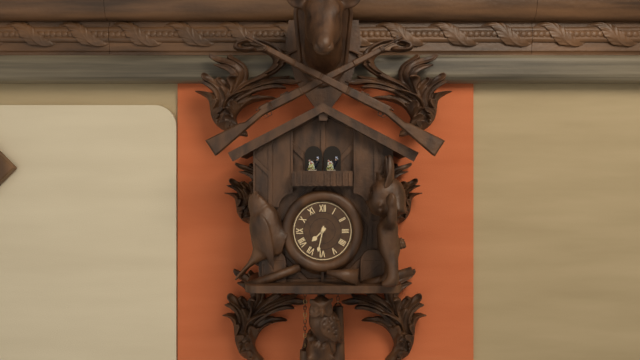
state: 7:32
